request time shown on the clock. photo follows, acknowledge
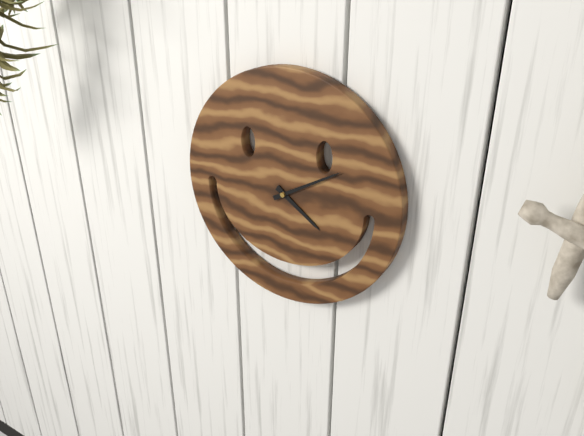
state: 4:10
